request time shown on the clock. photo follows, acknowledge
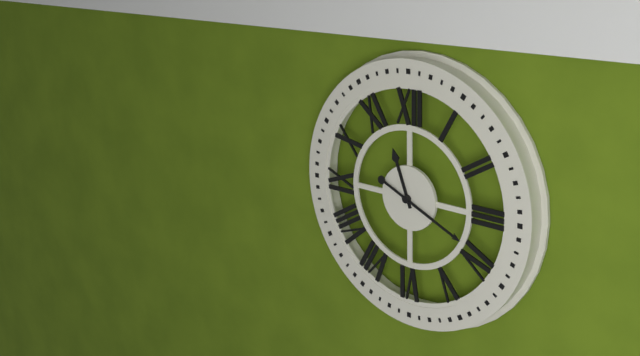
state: 11:19
